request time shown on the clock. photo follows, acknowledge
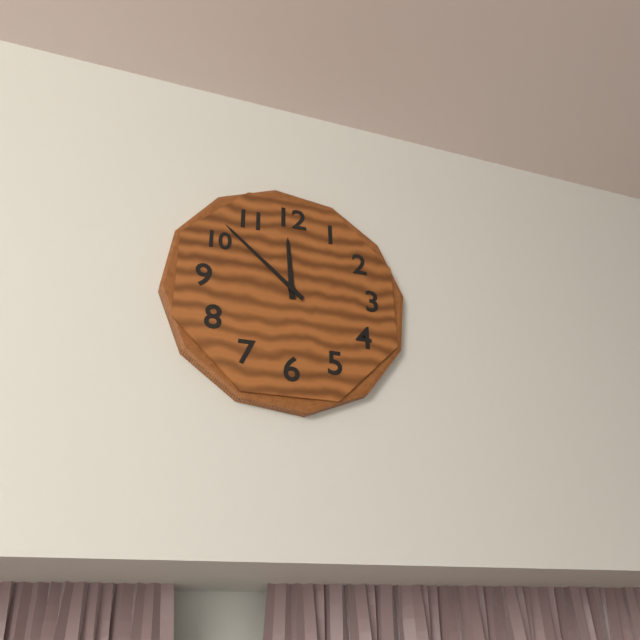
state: 11:52
